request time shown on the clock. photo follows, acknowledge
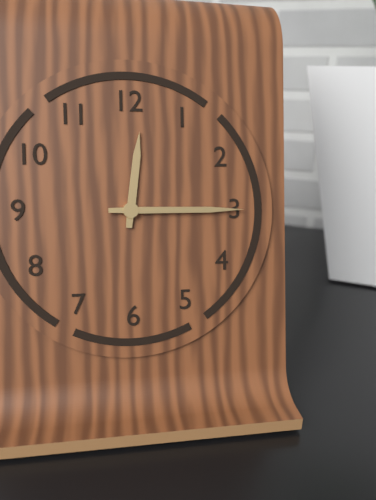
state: 12:15
